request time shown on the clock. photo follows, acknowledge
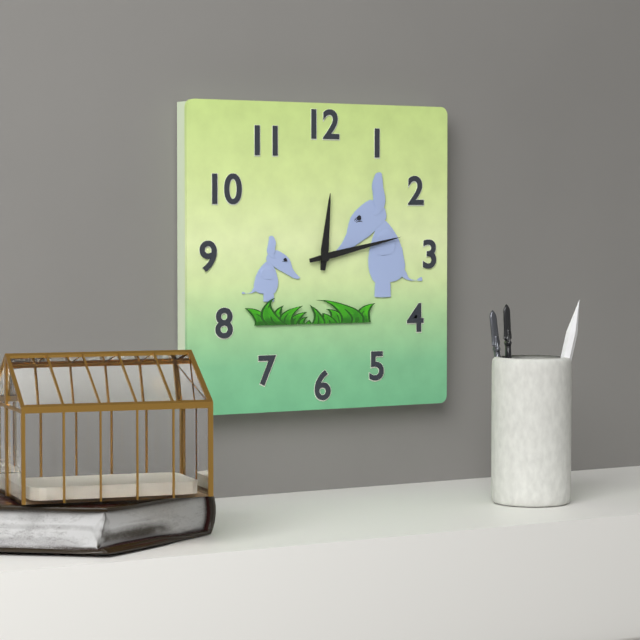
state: 12:13
